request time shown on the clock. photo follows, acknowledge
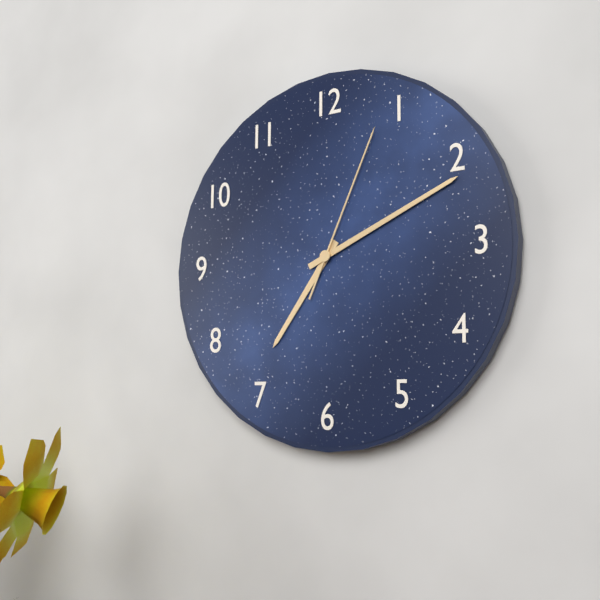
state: 7:11:04
